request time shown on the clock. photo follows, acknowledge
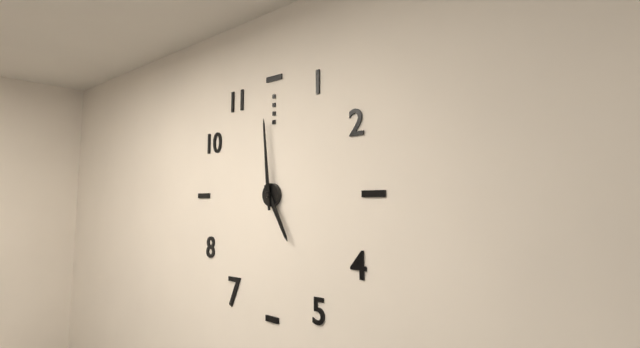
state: 4:59
